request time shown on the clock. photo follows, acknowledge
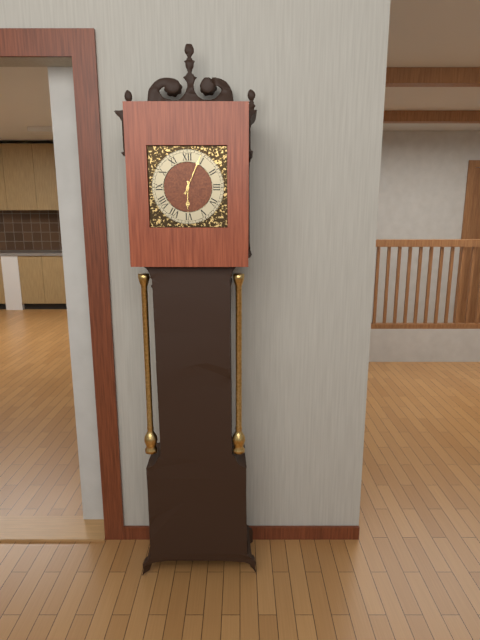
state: 6:04
